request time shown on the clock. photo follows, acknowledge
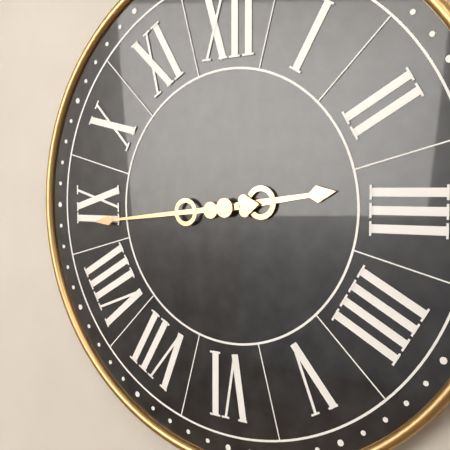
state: 2:44
